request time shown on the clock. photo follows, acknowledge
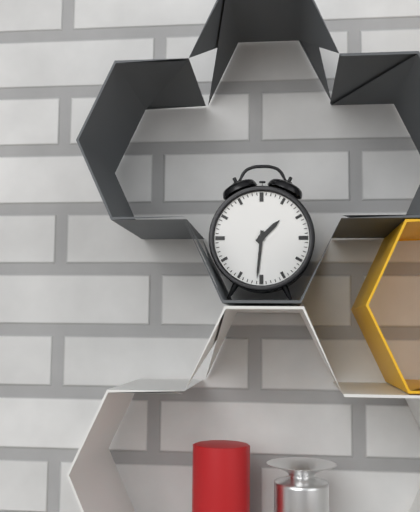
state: 1:31
